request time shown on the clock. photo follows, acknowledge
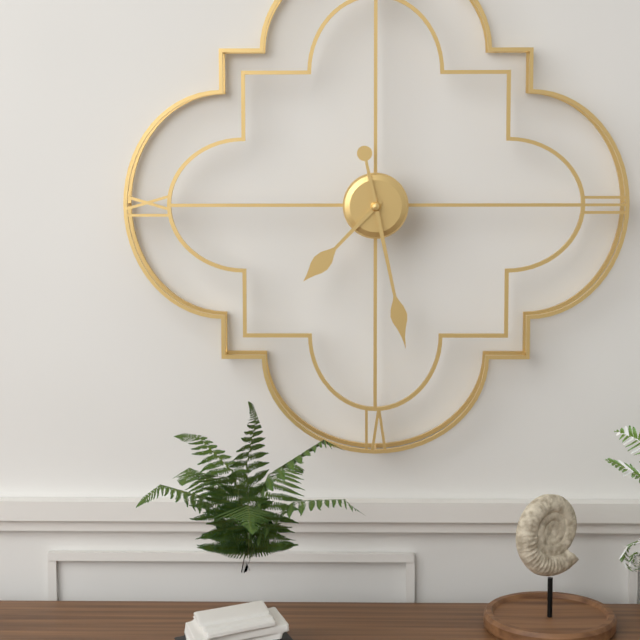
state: 7:28
